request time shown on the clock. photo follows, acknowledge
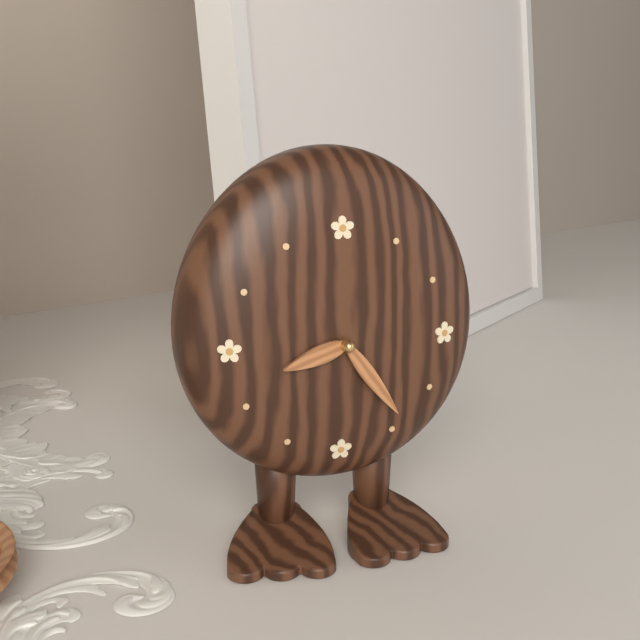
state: 8:24
